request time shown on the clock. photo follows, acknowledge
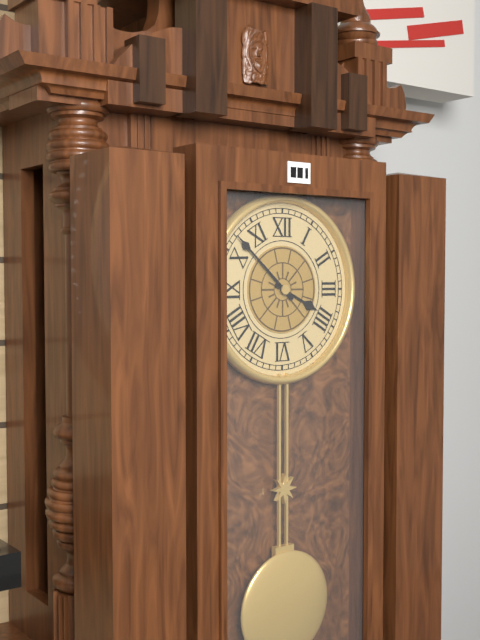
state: 3:52
